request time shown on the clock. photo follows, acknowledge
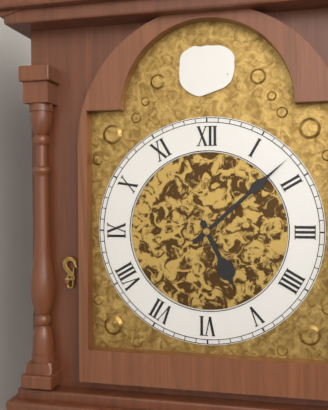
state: 5:08
